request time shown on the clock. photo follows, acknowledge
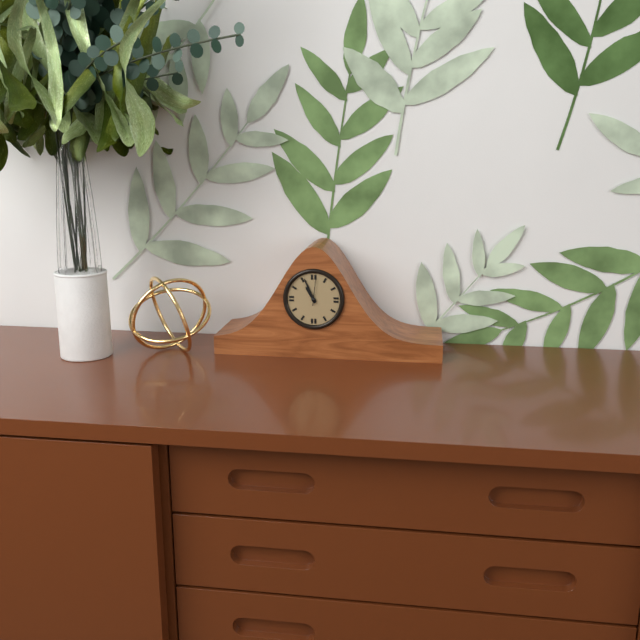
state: 10:56
